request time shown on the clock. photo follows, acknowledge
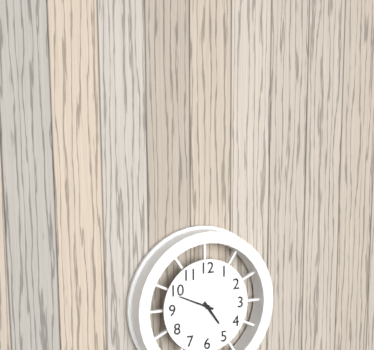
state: 4:49
